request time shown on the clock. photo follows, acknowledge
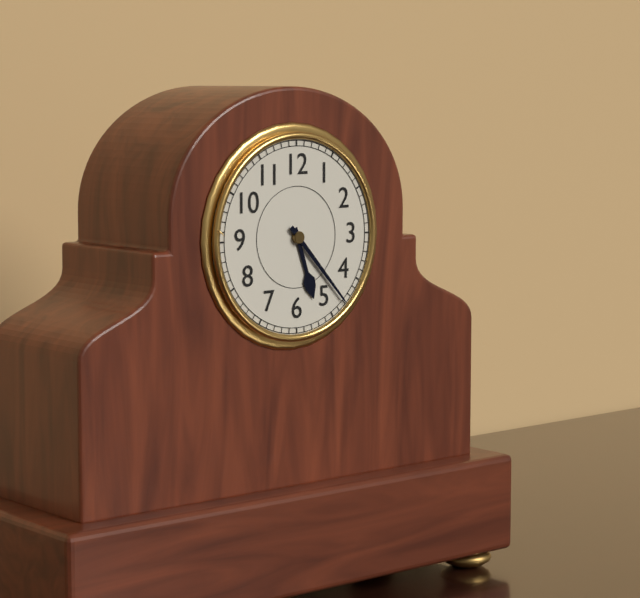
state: 5:23
